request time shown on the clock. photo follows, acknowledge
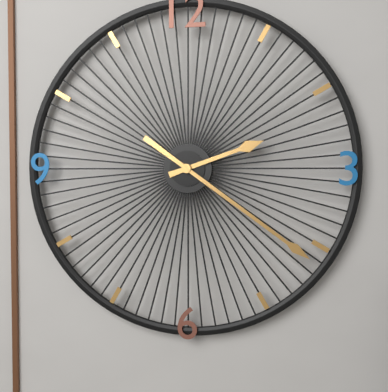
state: 2:21
